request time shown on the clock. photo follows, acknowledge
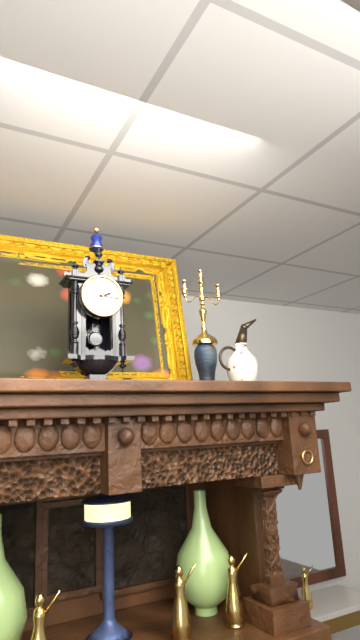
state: 2:16
